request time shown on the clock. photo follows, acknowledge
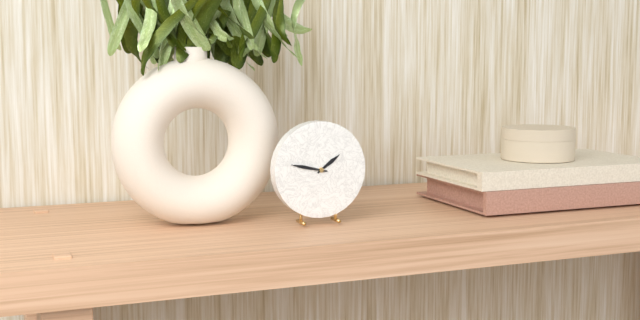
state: 1:47
